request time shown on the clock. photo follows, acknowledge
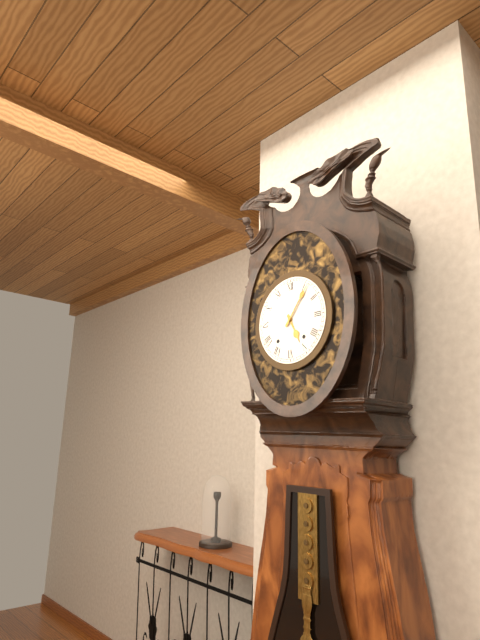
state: 5:06
